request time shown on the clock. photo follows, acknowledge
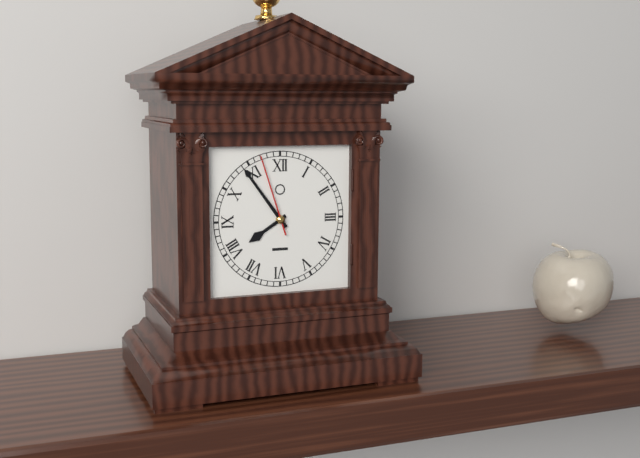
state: 7:54:57
